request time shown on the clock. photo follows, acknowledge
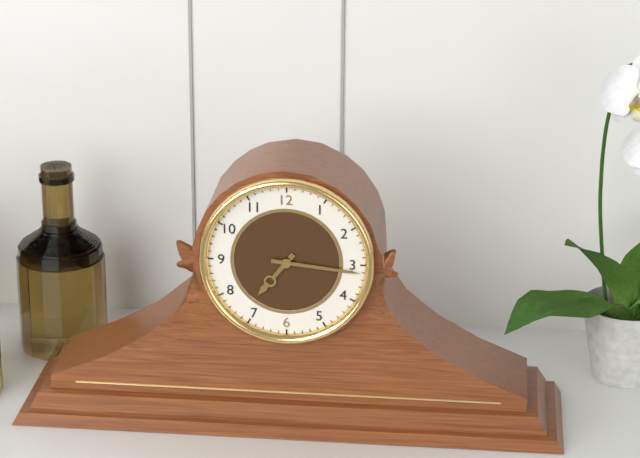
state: 7:16
